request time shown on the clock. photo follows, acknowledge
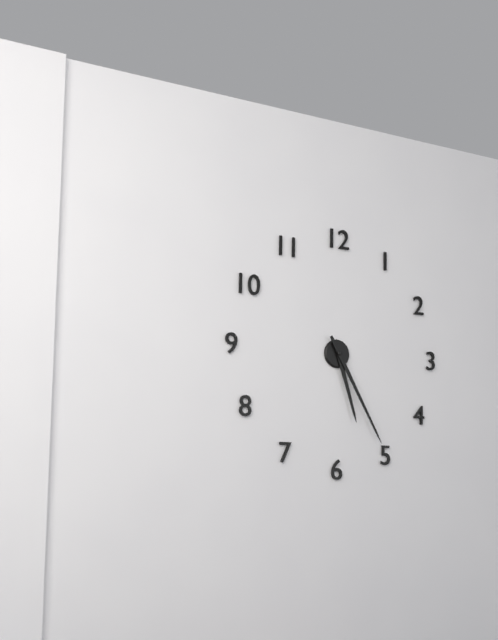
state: 5:25
